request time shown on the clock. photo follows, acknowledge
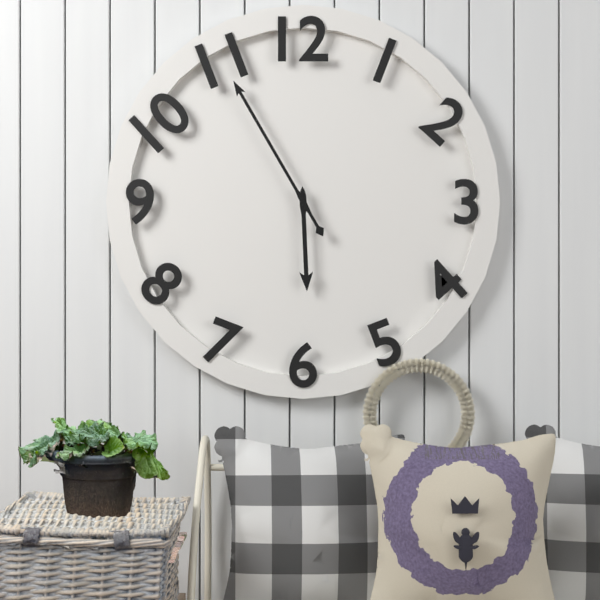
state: 5:55
